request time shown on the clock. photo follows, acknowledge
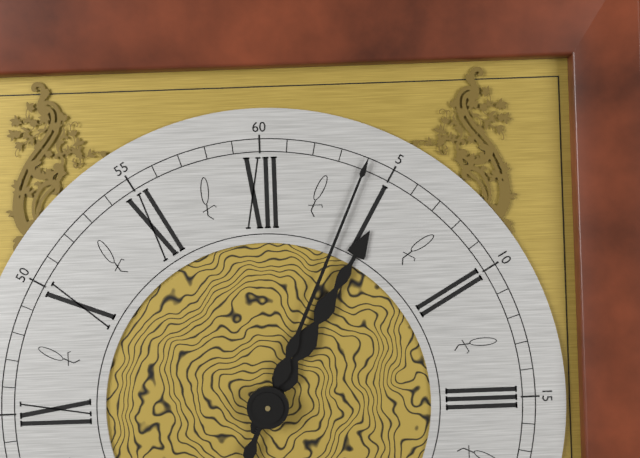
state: 1:04
